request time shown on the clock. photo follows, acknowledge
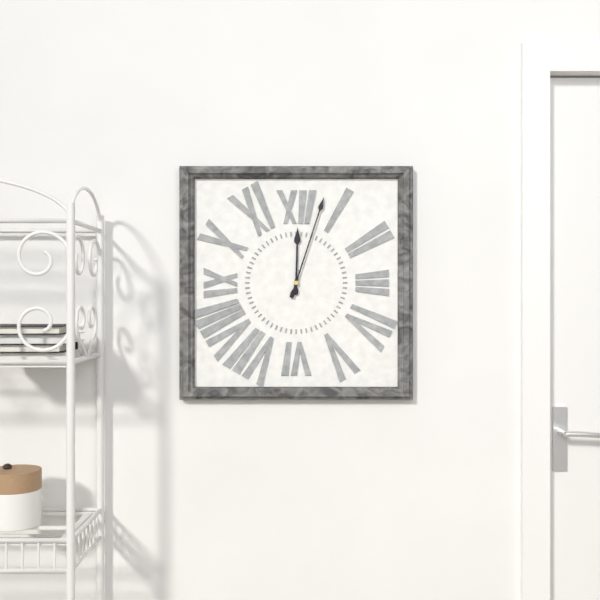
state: 12:03
